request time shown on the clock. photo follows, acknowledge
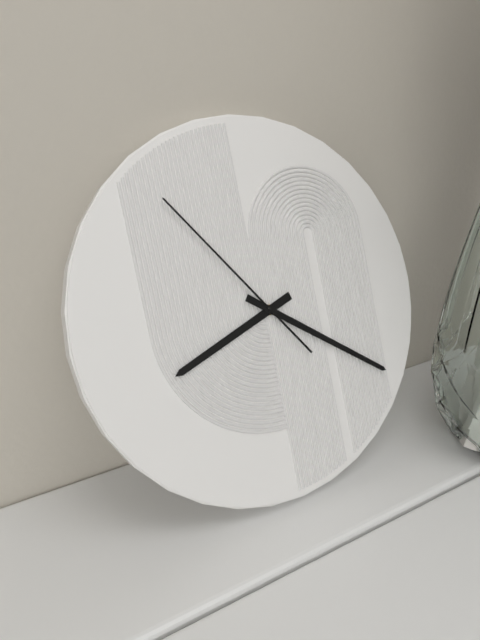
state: 8:21:54
